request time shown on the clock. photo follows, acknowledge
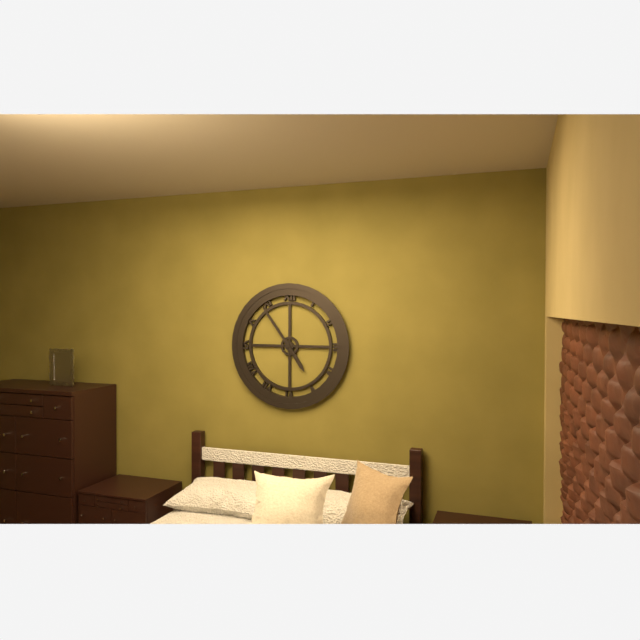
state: 4:54
